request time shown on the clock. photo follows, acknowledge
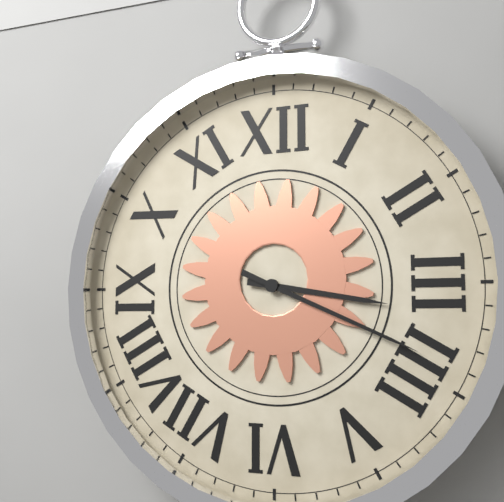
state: 3:19
